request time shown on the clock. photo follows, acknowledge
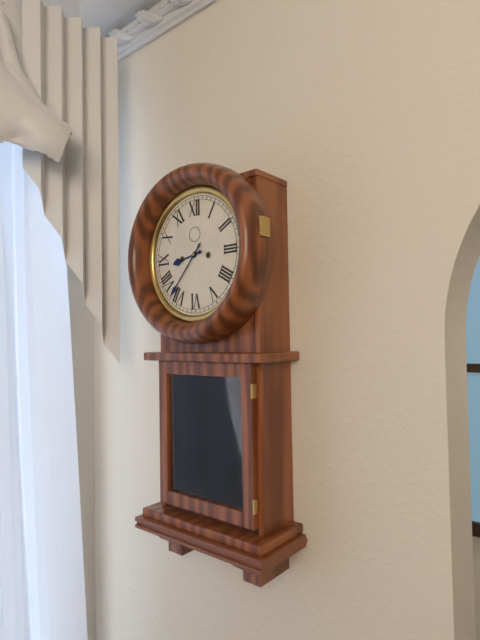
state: 8:37
